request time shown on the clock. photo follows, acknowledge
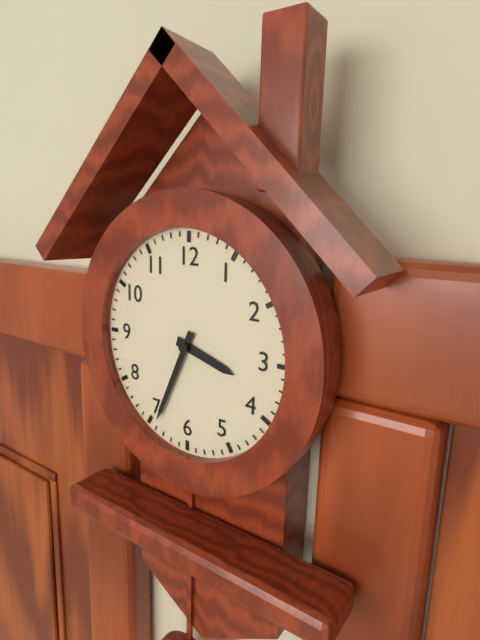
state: 3:34
